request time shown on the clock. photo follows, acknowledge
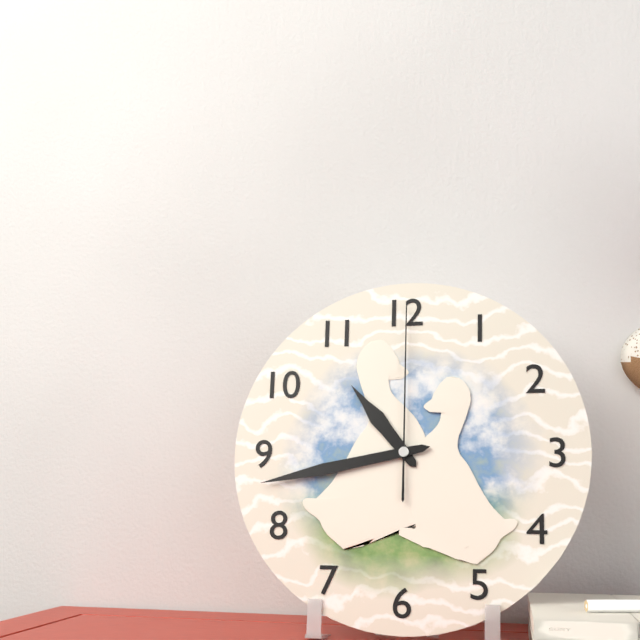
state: 10:43:00
